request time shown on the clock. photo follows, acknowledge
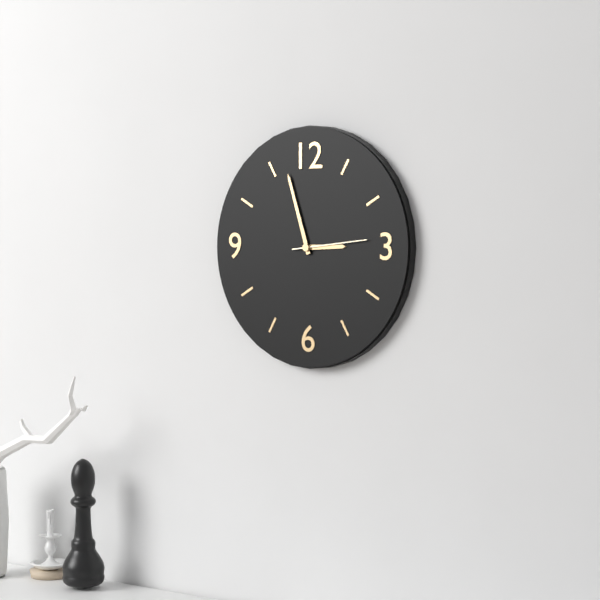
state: 2:57:14
